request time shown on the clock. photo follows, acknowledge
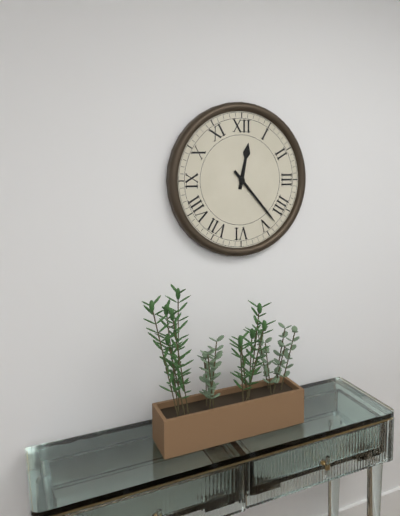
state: 12:23
